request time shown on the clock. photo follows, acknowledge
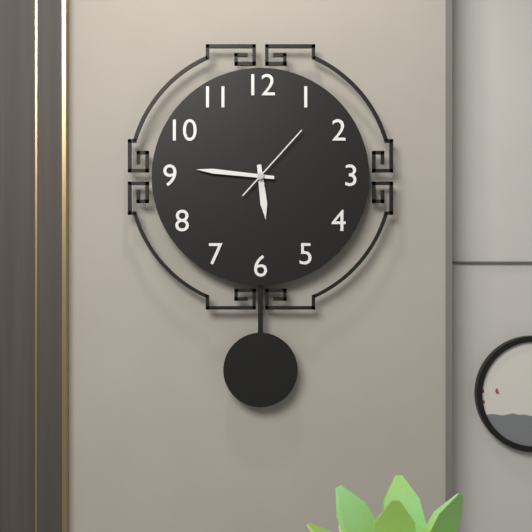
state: 5:46:07
